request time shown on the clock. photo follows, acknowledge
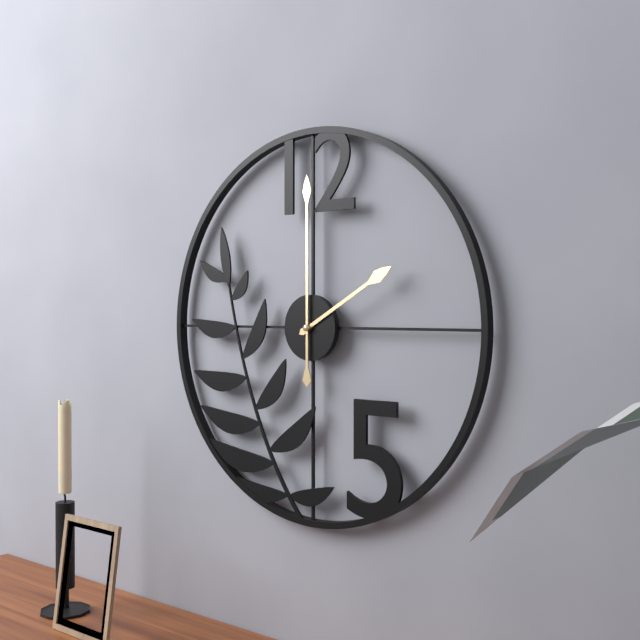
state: 2:00
